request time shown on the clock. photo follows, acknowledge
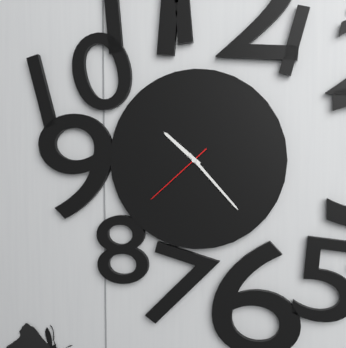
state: 10:23:38
